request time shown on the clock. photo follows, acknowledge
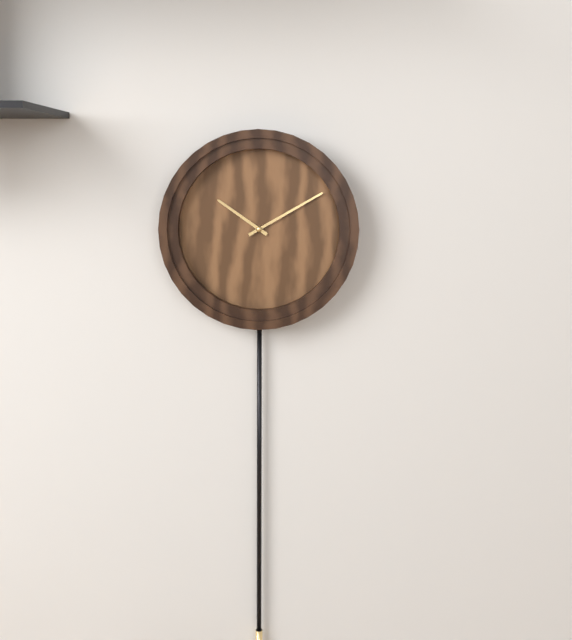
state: 10:10
